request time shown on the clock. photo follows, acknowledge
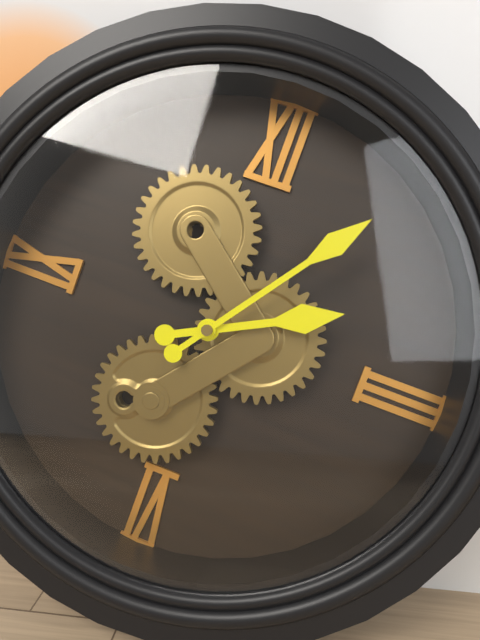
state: 2:06
